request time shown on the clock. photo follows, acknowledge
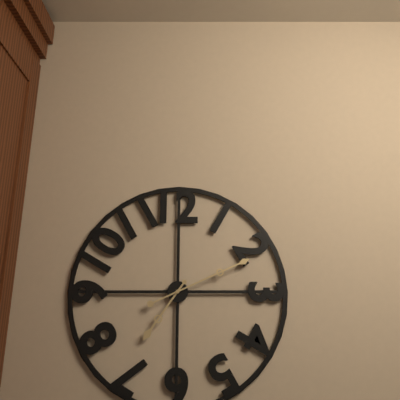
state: 7:11
